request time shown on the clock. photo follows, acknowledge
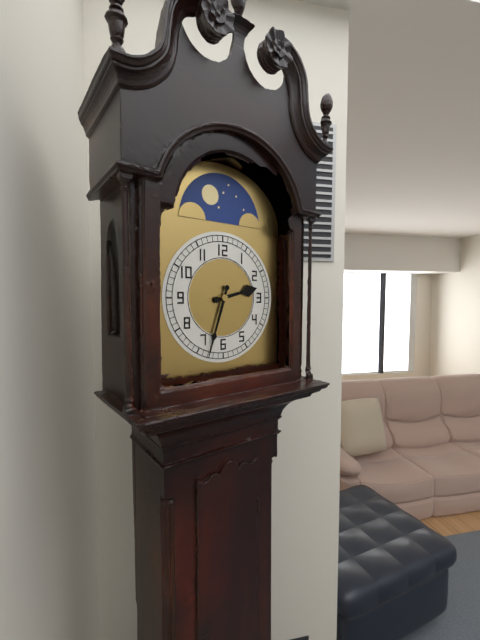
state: 2:33
